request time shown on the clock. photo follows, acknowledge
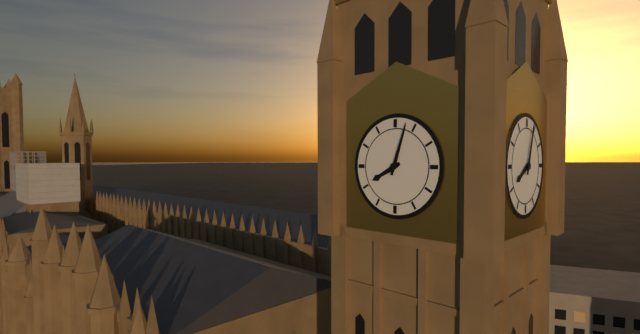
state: 8:03
